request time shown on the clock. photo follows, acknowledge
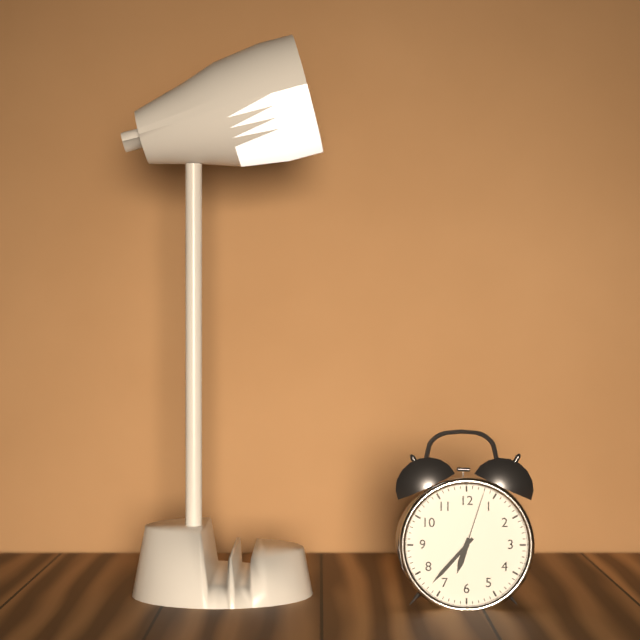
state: 6:37:03
